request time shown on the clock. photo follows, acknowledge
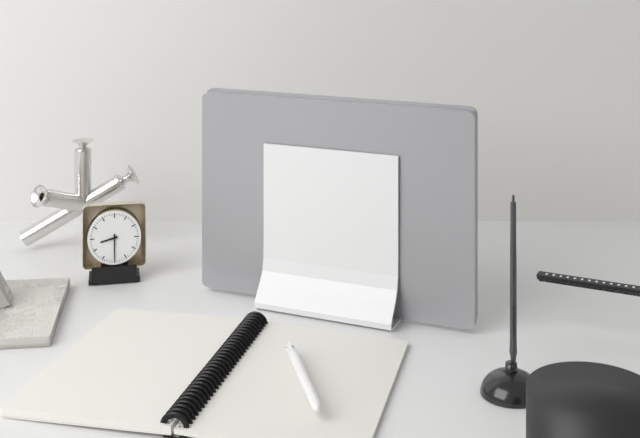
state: 8:30
